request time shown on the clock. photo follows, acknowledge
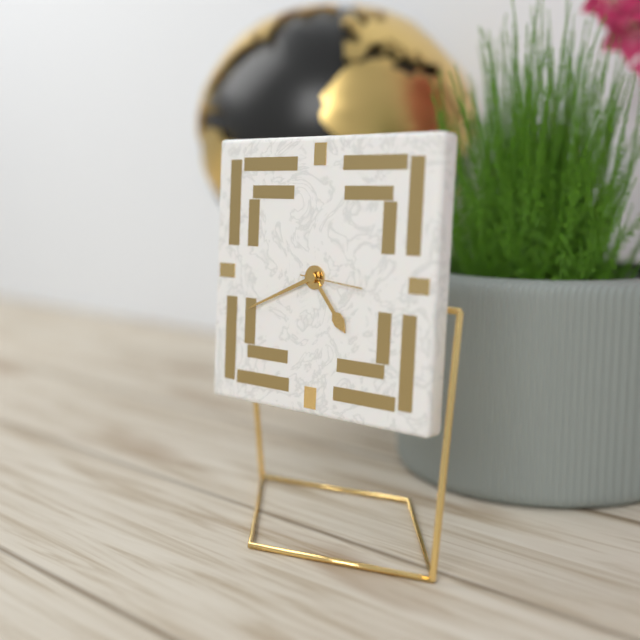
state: 4:41
